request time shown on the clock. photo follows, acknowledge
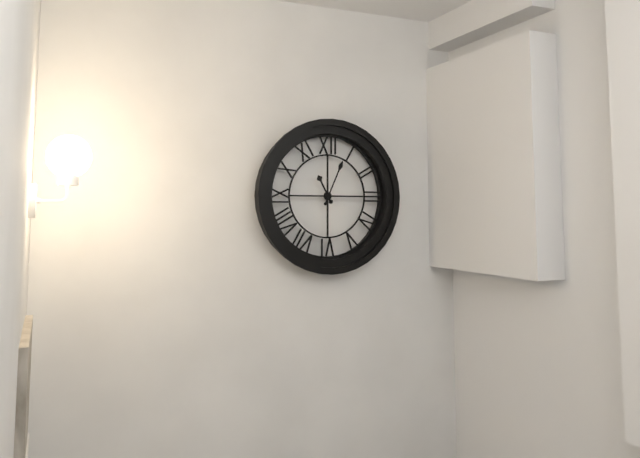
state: 11:04
